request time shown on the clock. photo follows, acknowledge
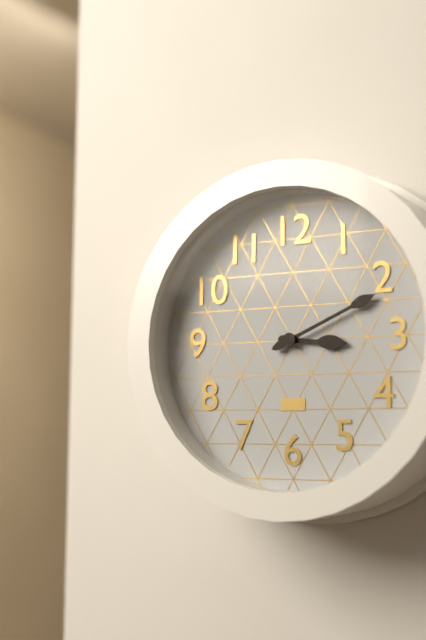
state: 3:11
